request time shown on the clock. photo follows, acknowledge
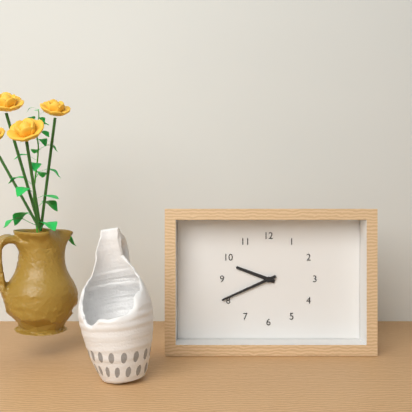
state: 9:41
